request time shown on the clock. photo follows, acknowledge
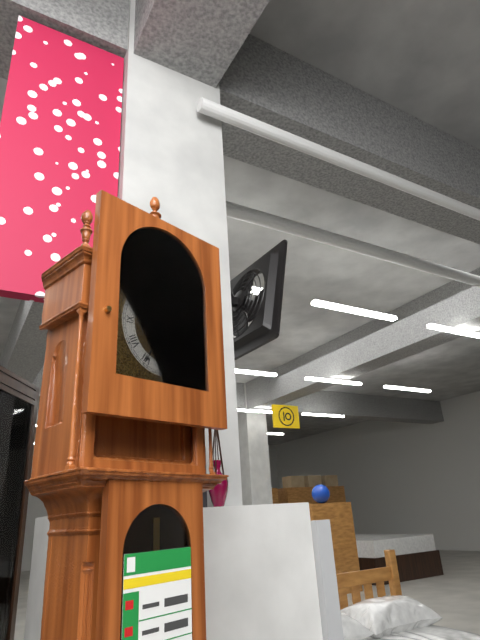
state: 4:35
